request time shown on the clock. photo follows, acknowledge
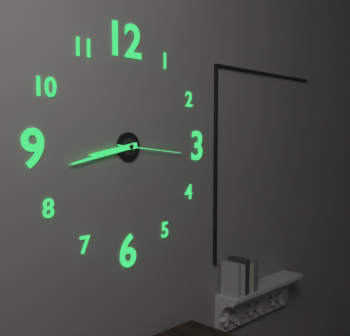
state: 8:43:16
